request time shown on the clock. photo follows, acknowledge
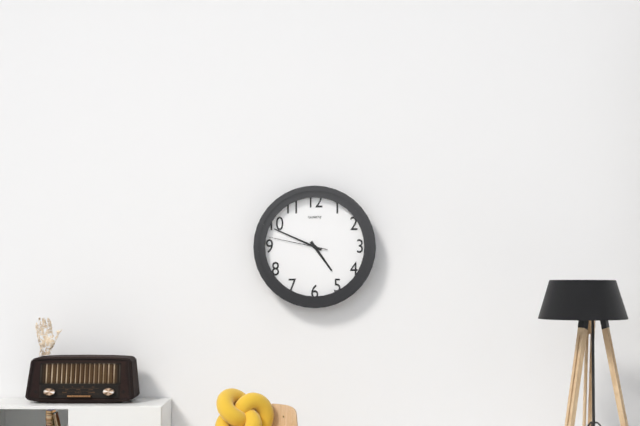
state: 4:49:47
